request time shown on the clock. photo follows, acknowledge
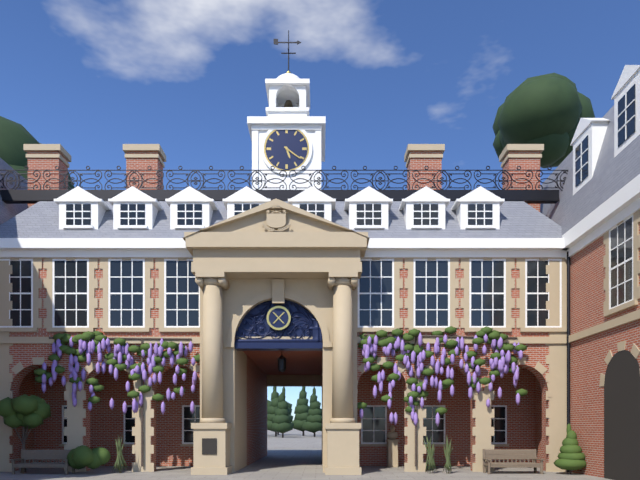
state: 5:21
